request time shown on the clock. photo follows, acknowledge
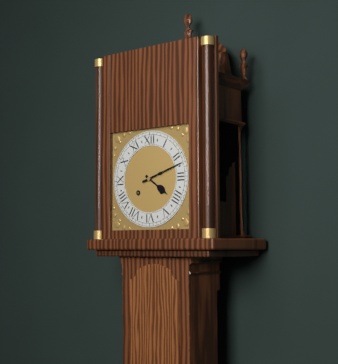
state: 4:12
